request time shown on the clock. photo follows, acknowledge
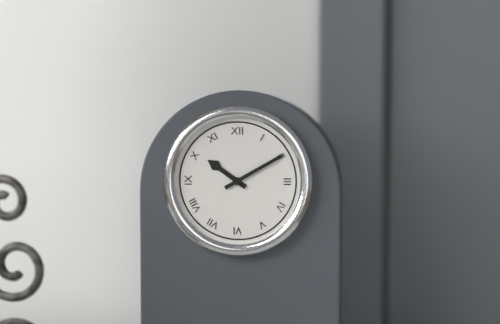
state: 10:10
